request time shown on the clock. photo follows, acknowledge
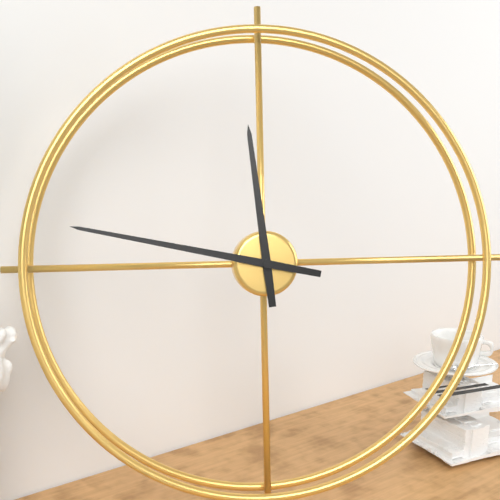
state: 11:47
